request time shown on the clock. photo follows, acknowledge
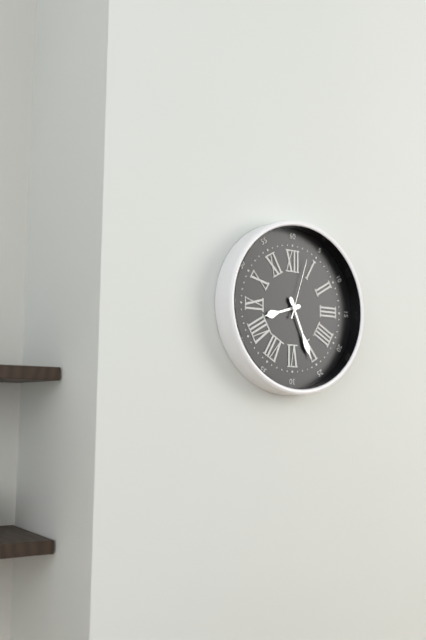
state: 8:26:03
